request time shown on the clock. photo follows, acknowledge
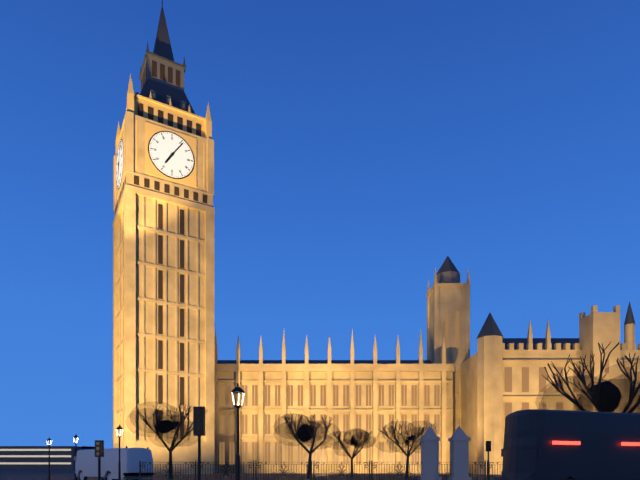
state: 7:06
